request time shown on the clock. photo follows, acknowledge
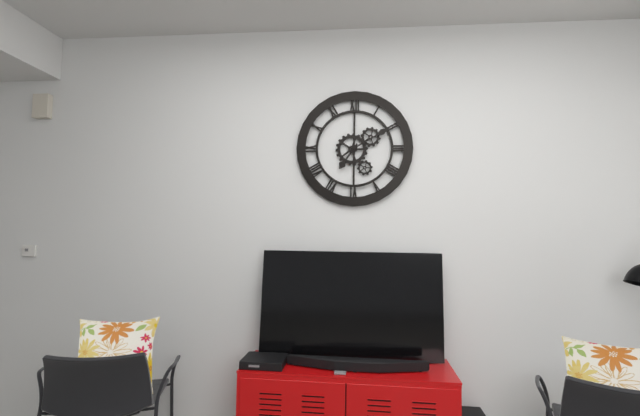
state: 7:10
